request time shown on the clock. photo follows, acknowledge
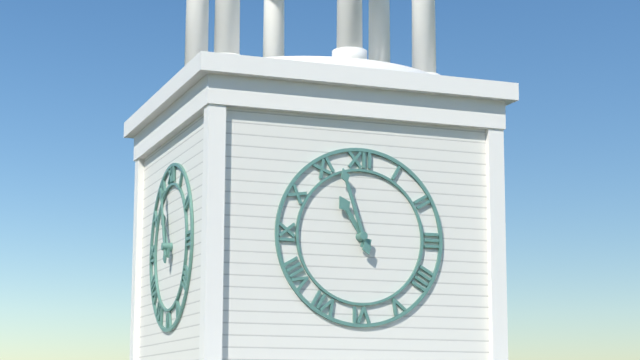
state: 10:57
